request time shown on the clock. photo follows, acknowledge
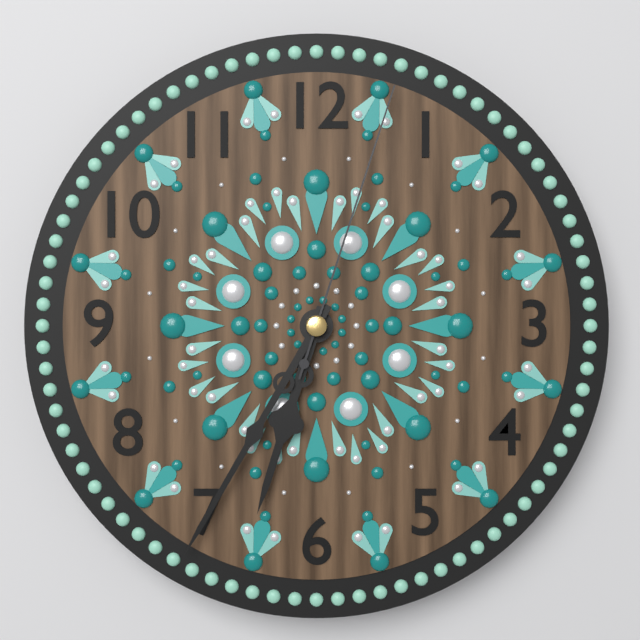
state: 6:35:03
